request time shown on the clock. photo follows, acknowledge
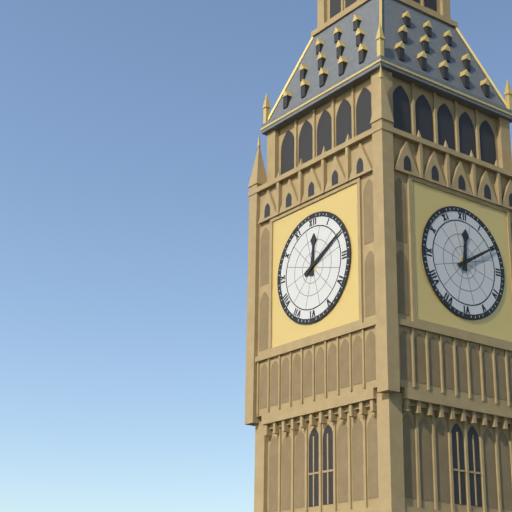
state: 12:10
